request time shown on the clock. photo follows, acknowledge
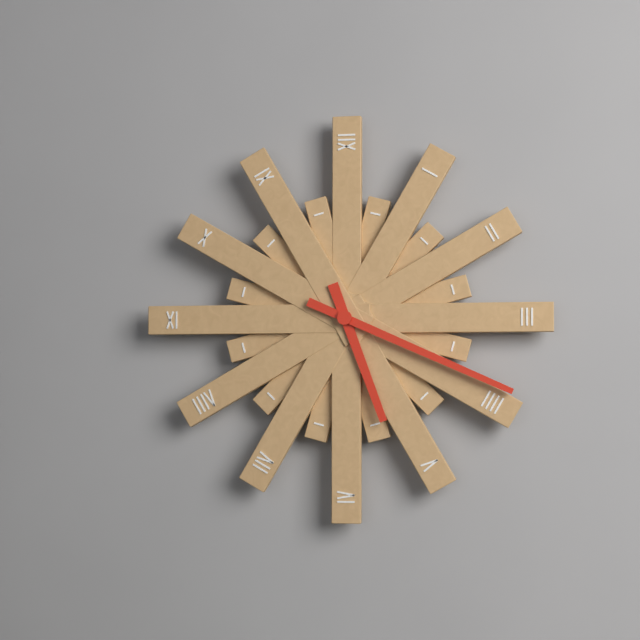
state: 5:19
